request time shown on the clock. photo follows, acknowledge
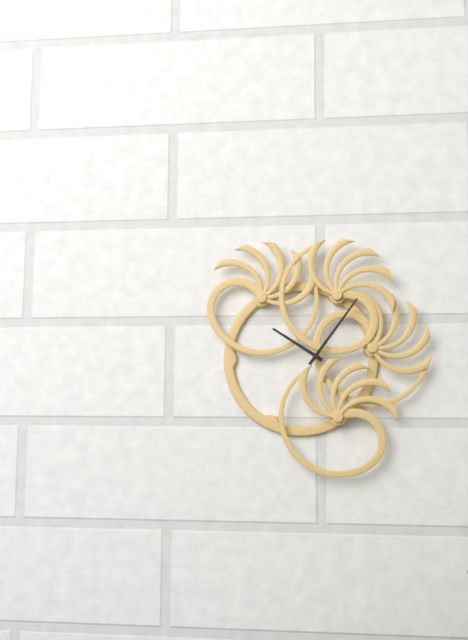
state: 10:06
